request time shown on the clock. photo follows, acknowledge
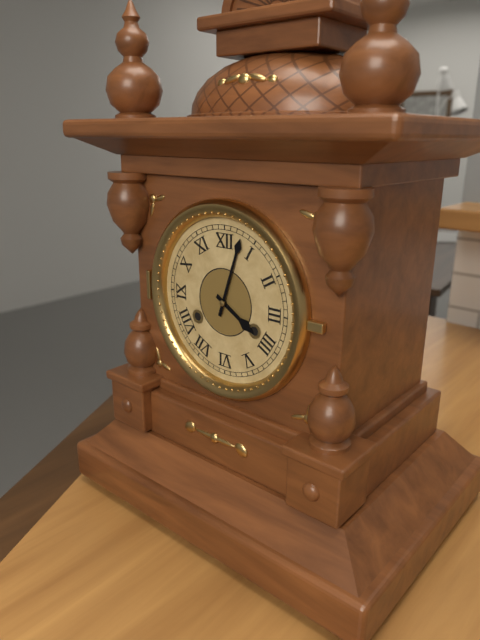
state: 4:03
